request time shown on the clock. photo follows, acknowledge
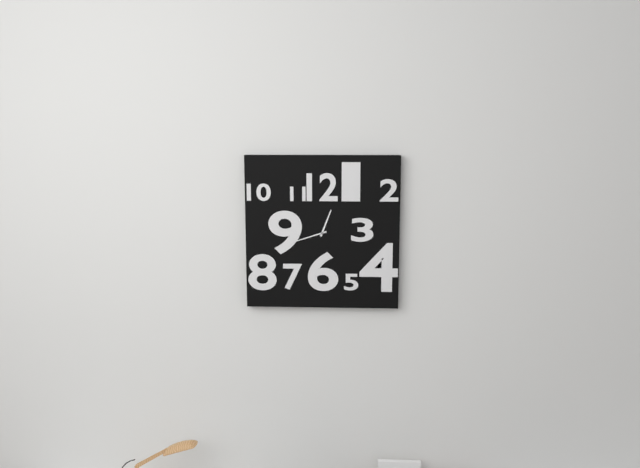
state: 12:42
